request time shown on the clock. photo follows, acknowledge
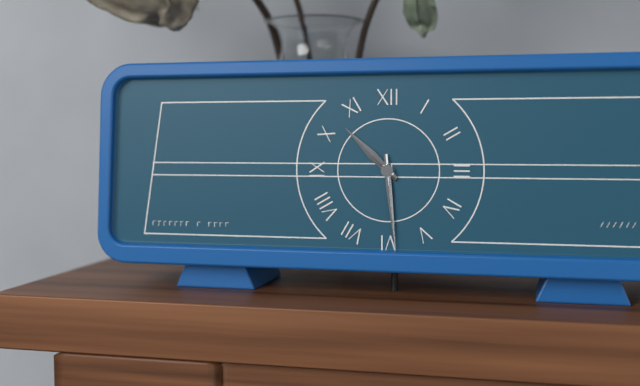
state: 10:29
